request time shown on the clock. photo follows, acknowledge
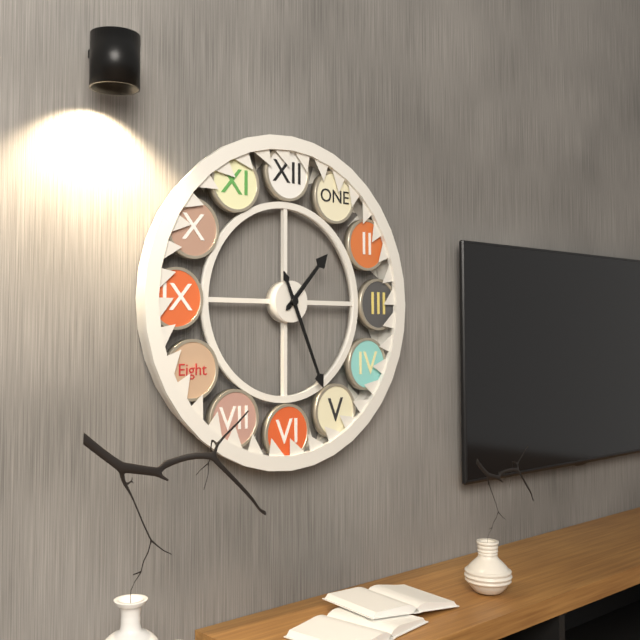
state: 1:26
